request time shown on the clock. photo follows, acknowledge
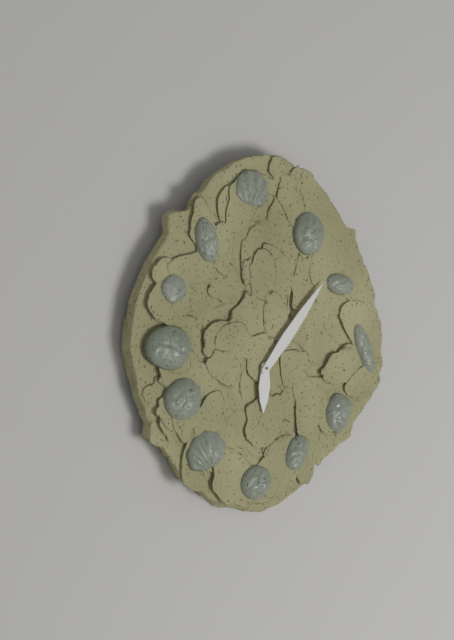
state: 6:07
